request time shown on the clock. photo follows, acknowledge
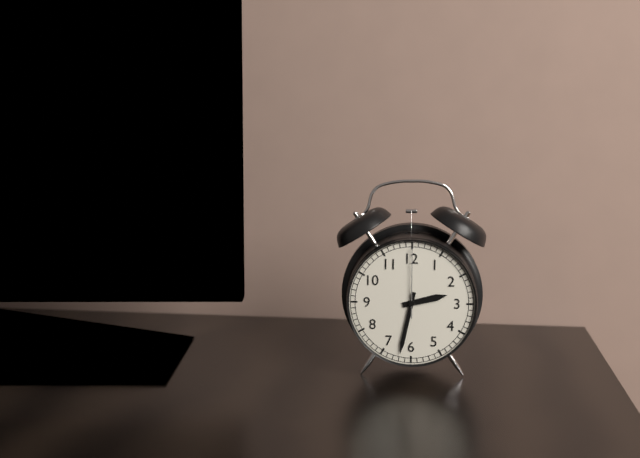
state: 2:32:00
